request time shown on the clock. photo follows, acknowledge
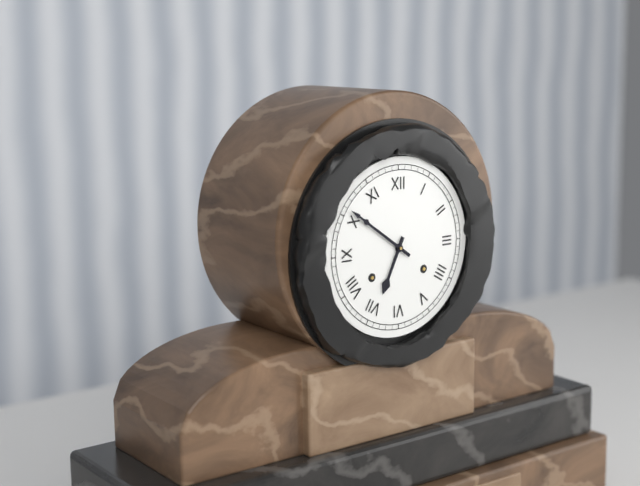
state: 6:51
